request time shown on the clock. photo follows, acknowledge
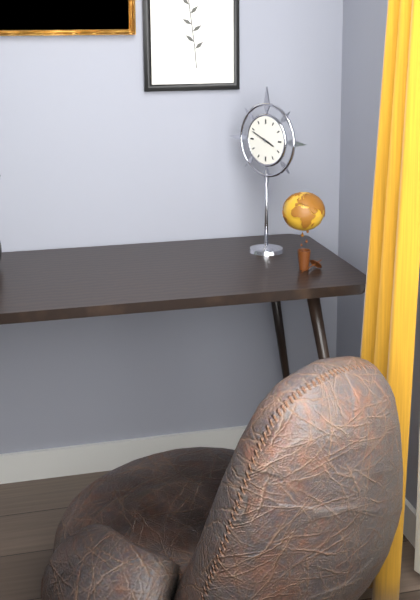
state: 3:49
